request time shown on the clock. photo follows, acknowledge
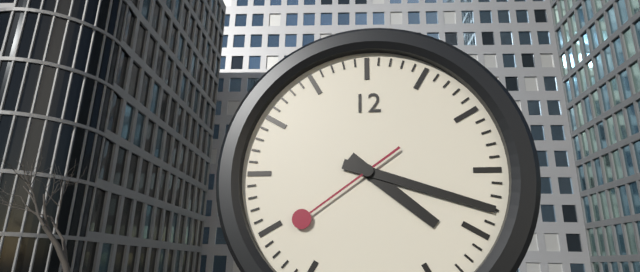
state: 4:18:39
